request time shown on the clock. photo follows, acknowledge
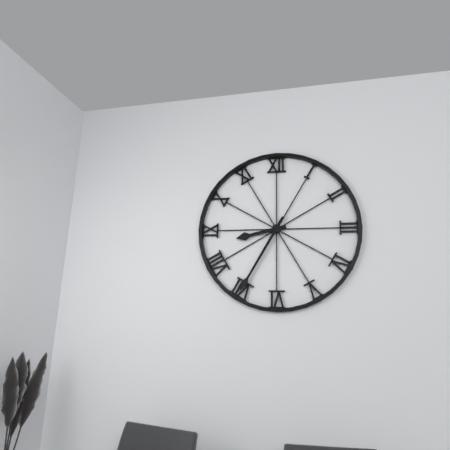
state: 8:35
